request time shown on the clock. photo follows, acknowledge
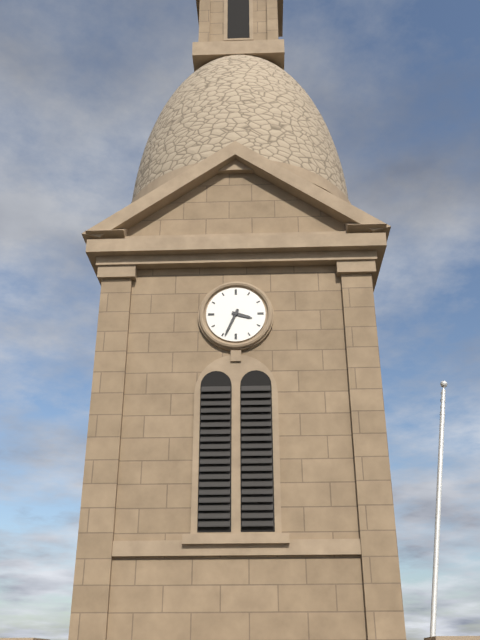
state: 3:34
